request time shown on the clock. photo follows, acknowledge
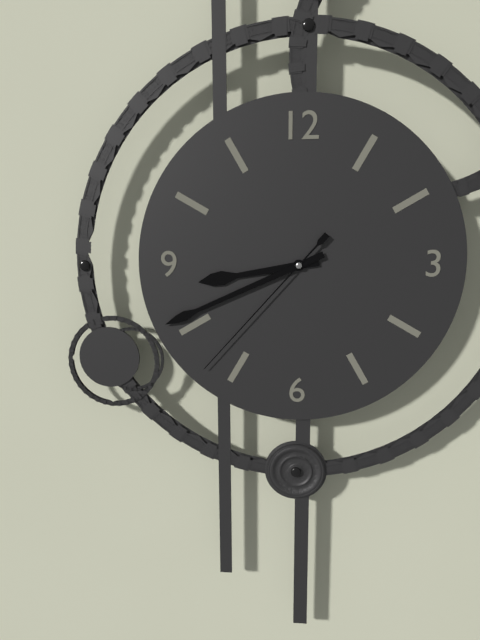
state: 8:41:37
